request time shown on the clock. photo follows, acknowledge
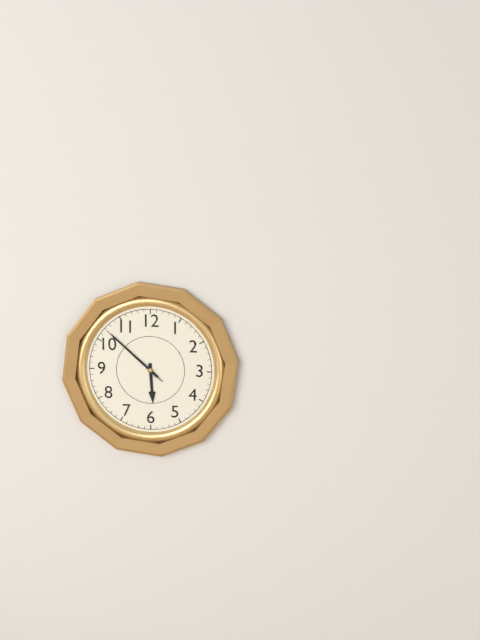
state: 5:52:52
